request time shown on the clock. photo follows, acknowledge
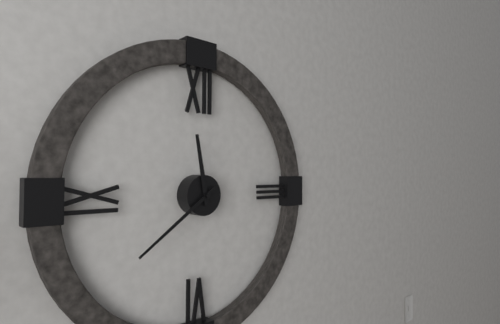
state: 11:39
